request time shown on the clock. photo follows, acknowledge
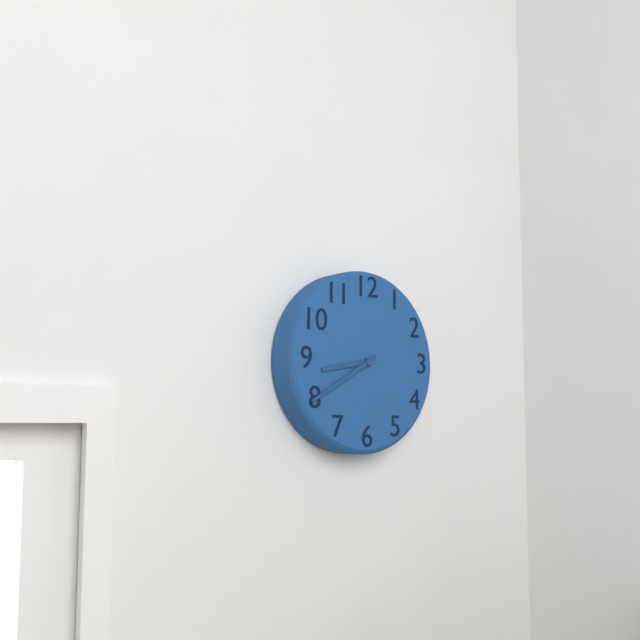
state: 8:40
